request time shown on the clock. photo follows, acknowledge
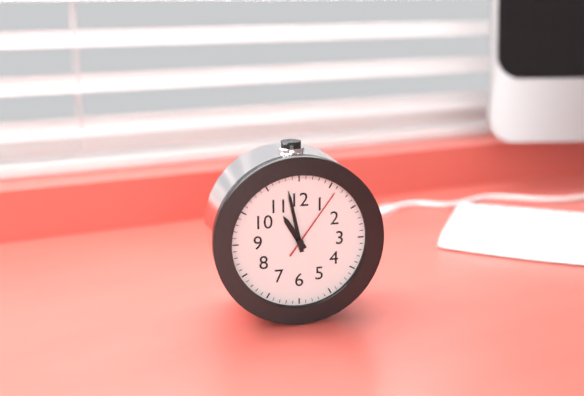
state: 10:58:06
